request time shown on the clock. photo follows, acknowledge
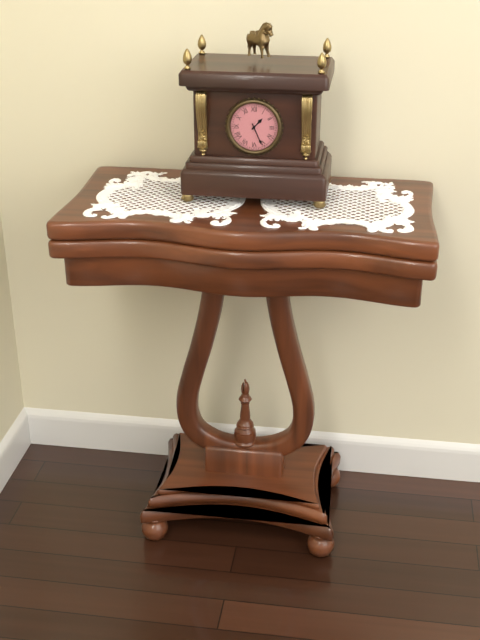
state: 1:26
